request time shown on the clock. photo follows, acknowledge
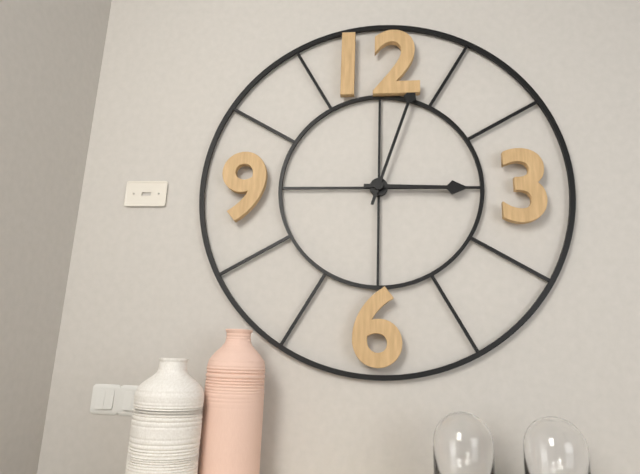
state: 3:03
